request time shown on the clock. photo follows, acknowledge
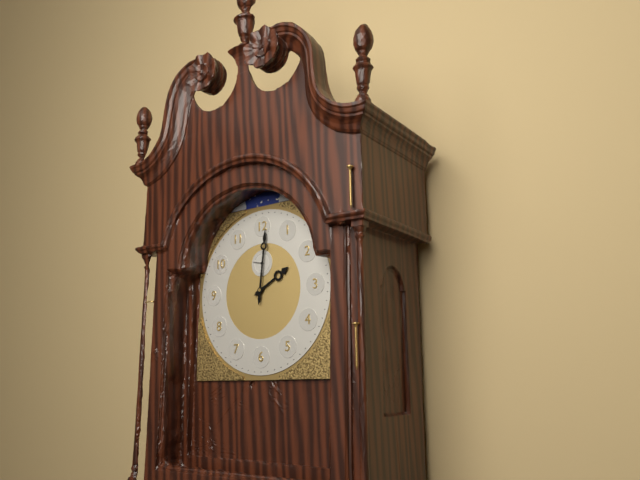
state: 2:01
